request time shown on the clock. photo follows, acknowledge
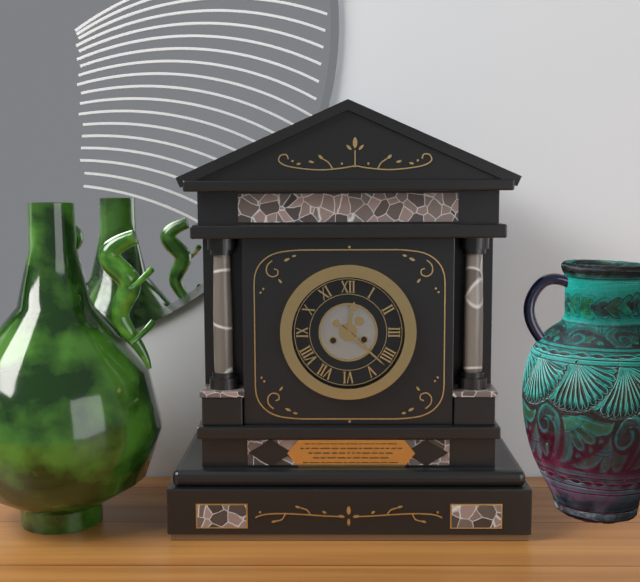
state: 12:22
